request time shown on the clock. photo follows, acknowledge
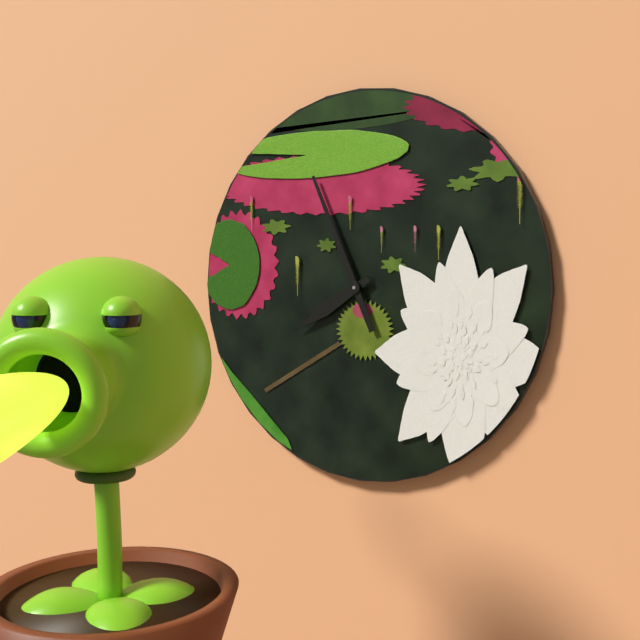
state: 7:56
